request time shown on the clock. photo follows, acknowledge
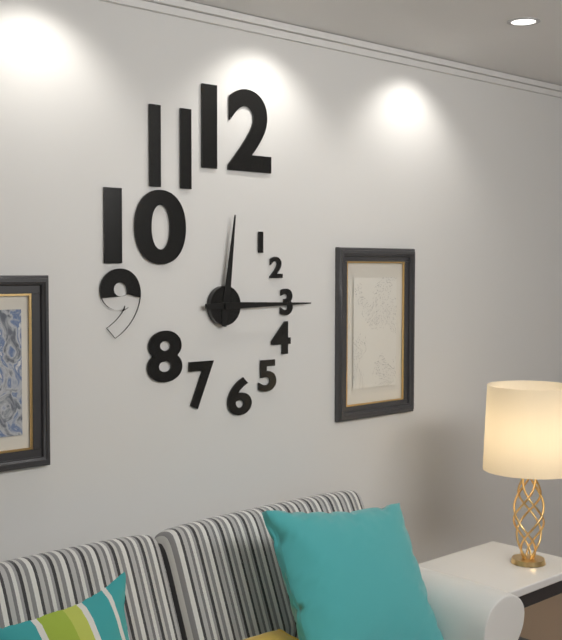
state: 12:15
